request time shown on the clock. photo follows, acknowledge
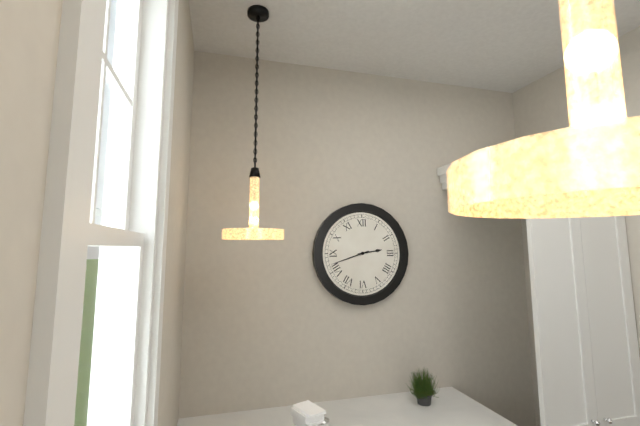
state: 2:42
